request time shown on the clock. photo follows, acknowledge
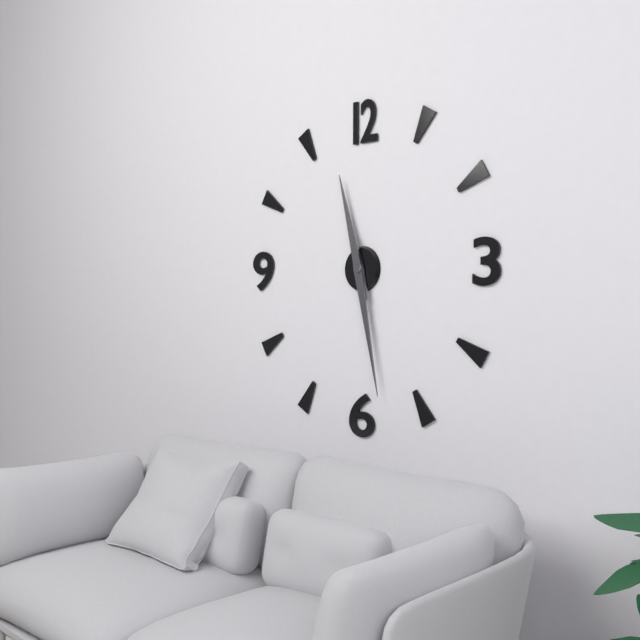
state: 11:28
